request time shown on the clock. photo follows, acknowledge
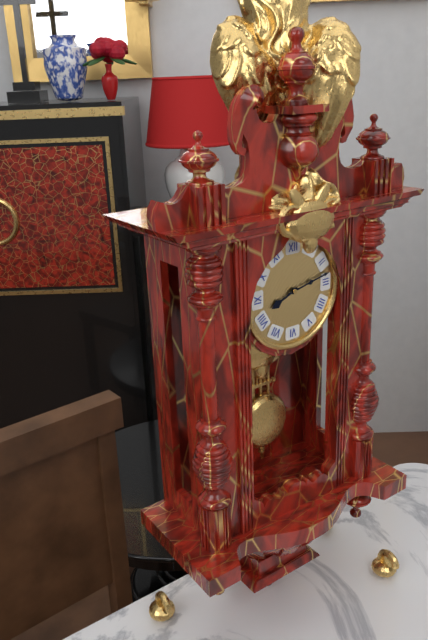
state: 8:13
